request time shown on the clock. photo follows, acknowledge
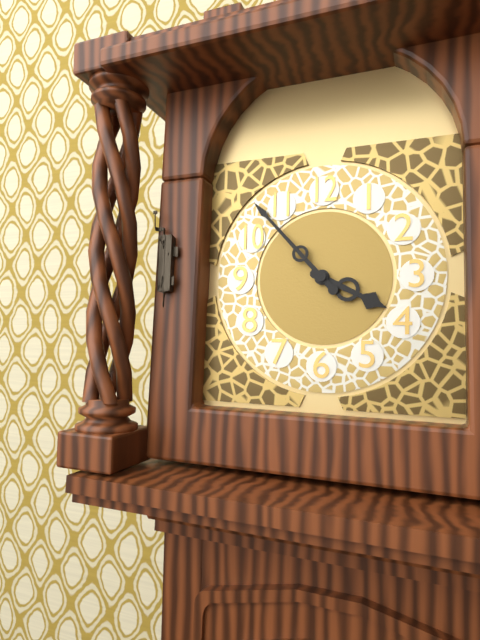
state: 3:53
